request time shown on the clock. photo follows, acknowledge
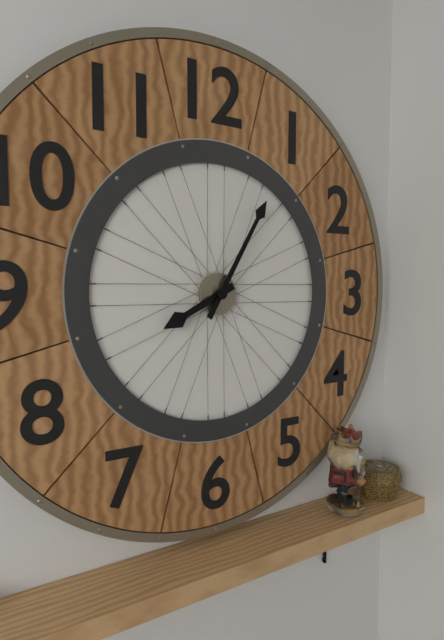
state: 8:05
